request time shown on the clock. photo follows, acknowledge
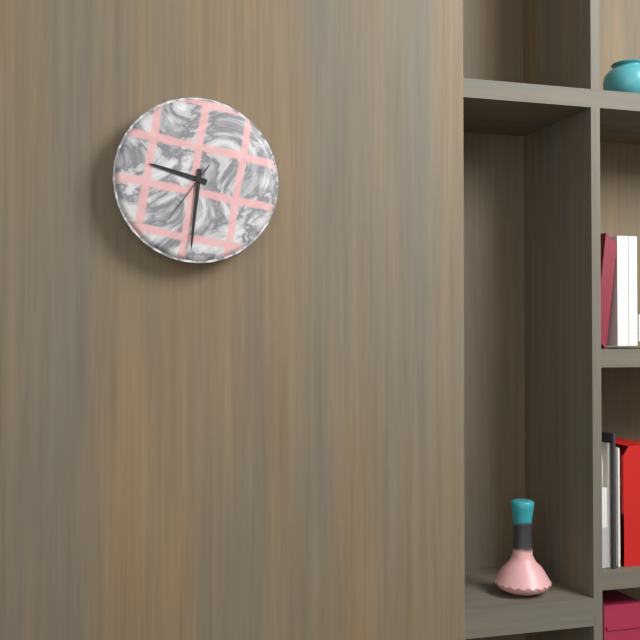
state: 9:31:36
